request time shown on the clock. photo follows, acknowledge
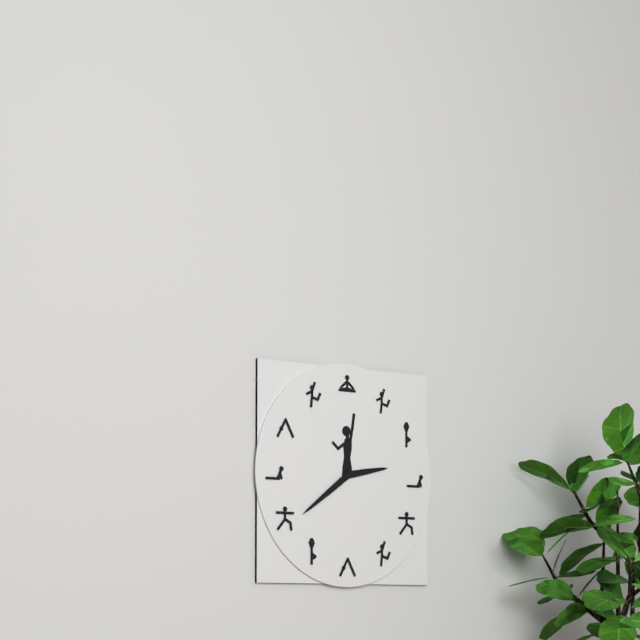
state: 2:39
